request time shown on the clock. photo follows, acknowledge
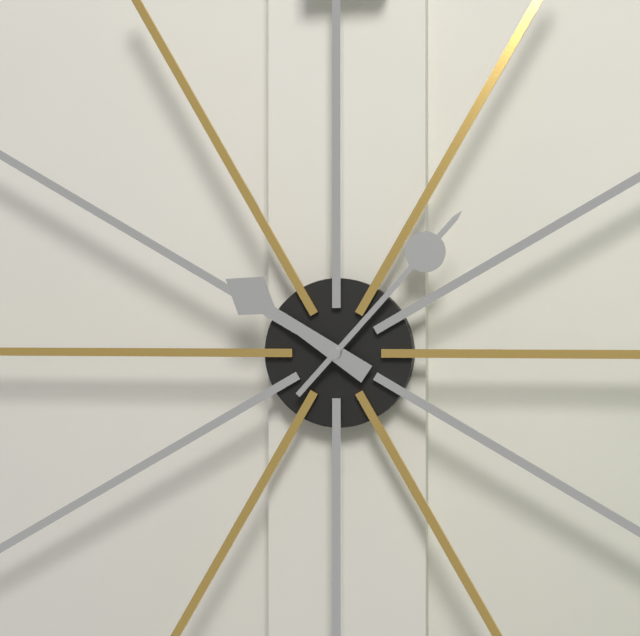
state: 10:07
